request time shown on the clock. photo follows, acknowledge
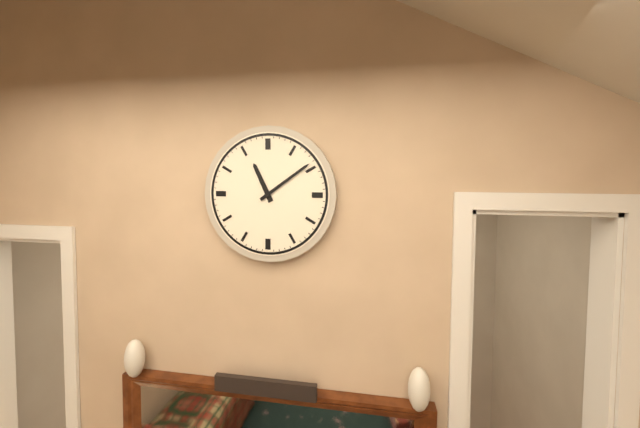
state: 11:09
